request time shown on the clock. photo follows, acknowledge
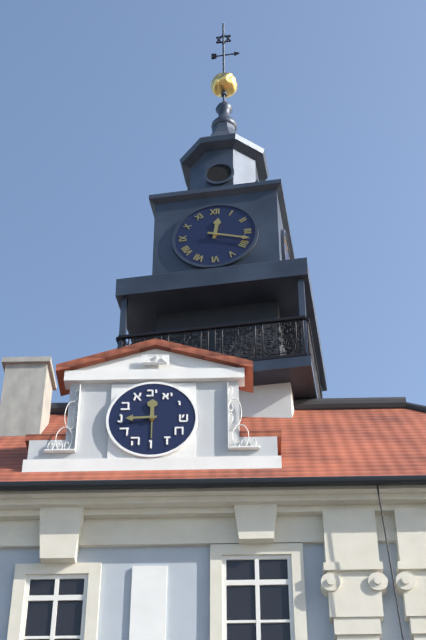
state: 12:18
